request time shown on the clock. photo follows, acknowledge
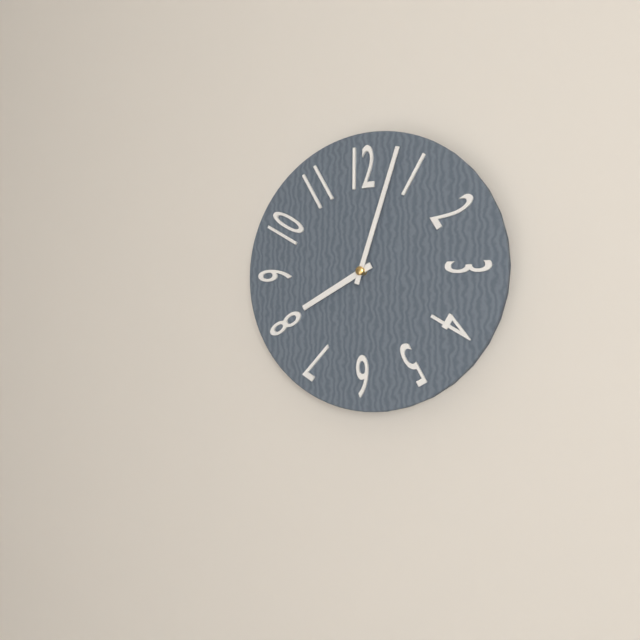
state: 8:03
